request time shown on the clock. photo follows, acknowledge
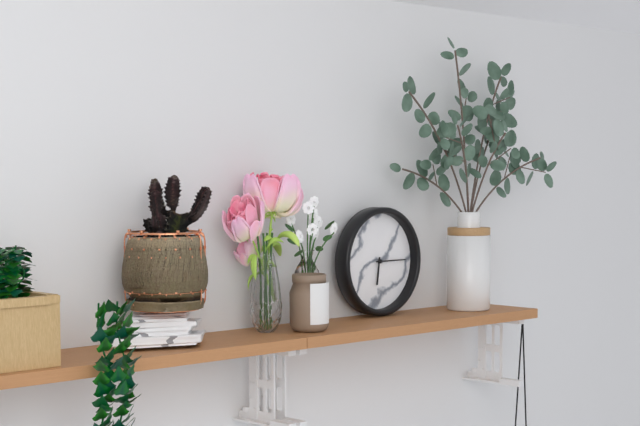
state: 6:15
